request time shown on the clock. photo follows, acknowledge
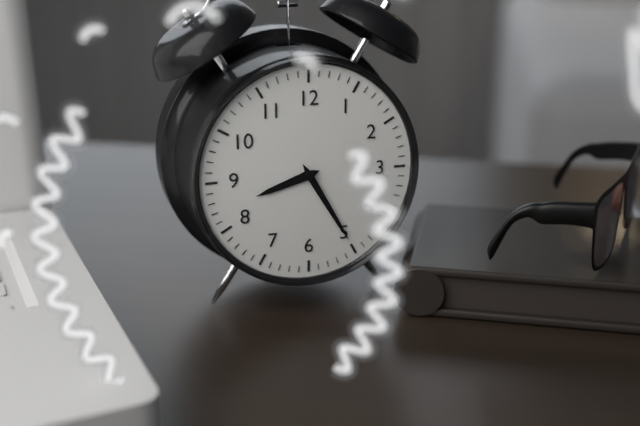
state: 8:25
